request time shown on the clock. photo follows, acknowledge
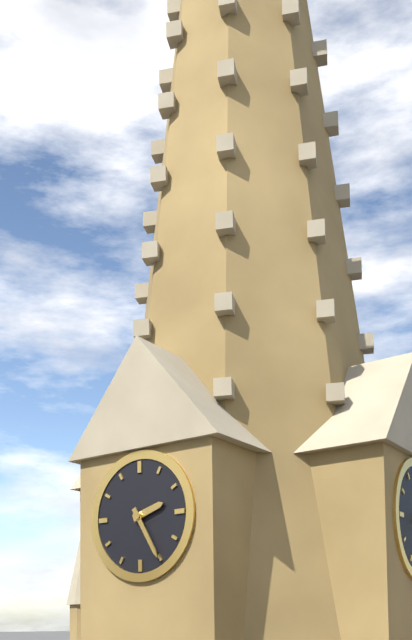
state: 2:25
